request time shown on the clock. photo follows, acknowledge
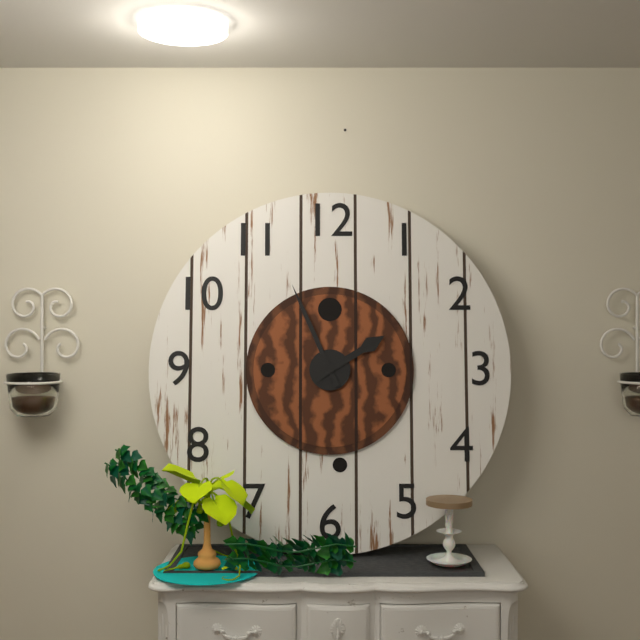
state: 1:56
